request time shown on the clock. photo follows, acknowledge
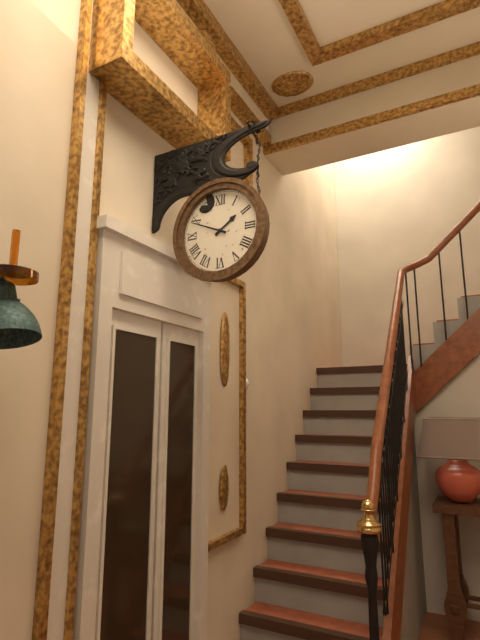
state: 1:49
